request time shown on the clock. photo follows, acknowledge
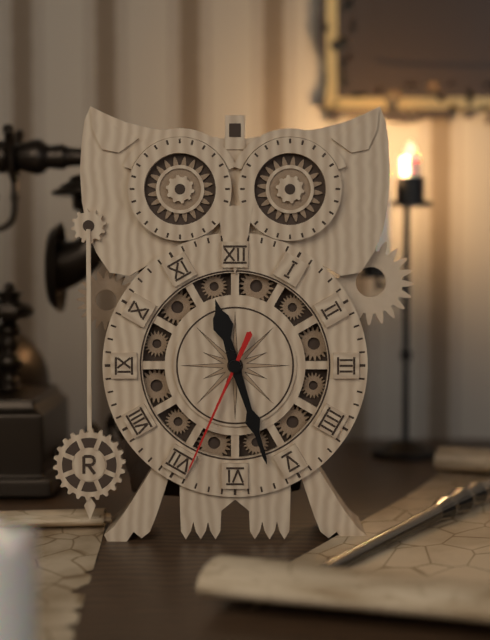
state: 11:27:34
